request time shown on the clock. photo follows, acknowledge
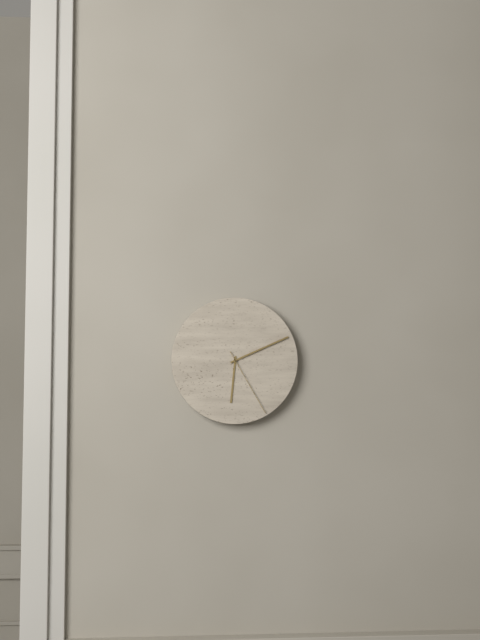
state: 6:11:25
